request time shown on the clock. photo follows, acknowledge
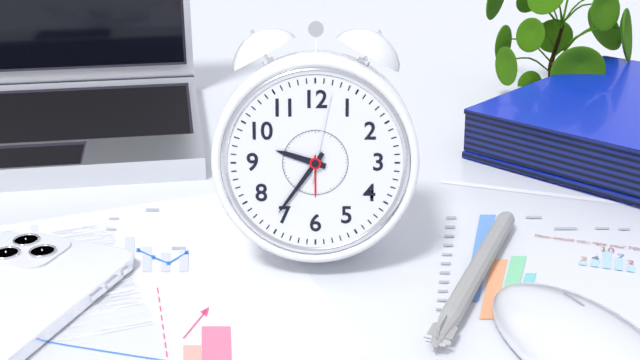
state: 9:36:02
